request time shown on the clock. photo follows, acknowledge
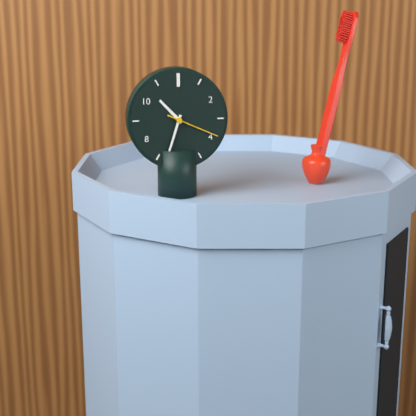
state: 10:33:19
